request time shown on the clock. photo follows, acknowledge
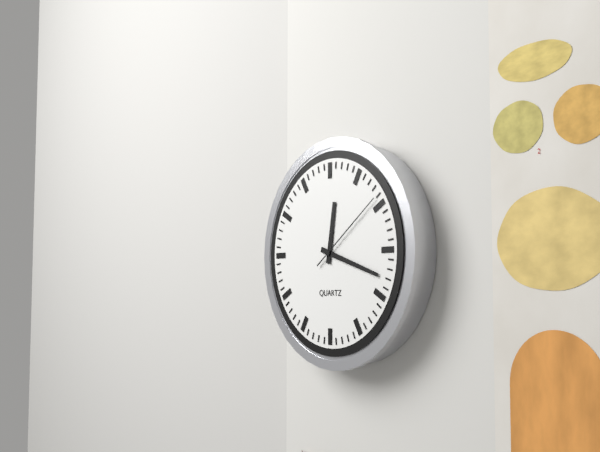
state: 12:18:09
